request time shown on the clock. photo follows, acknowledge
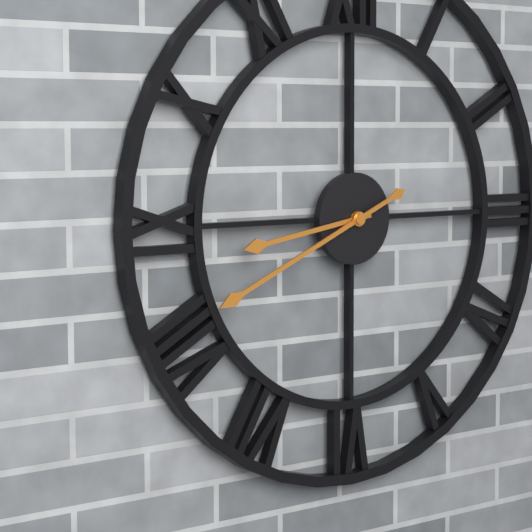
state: 8:41
